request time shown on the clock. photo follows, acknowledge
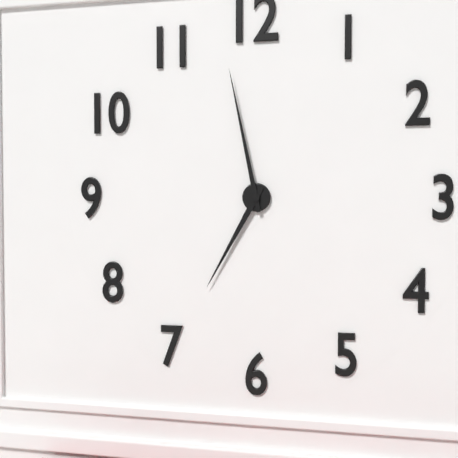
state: 6:58
